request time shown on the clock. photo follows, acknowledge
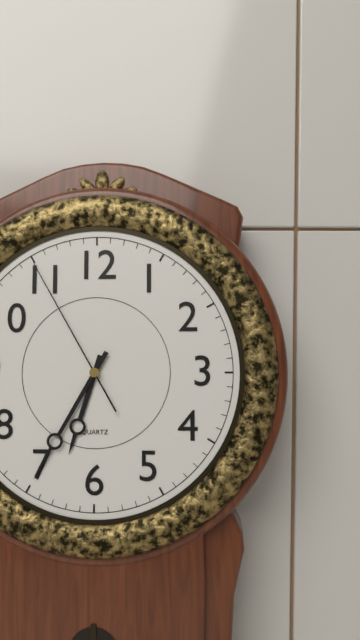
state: 6:35:55
